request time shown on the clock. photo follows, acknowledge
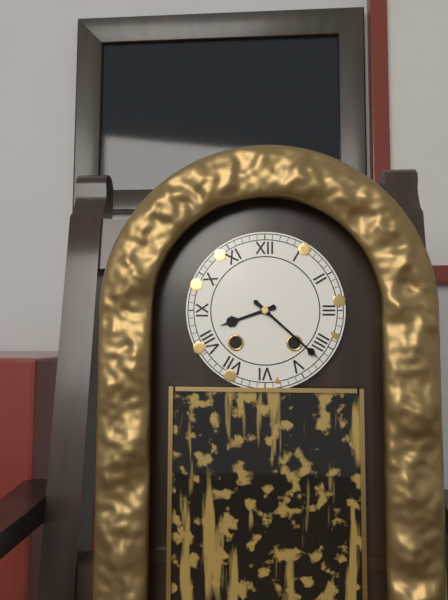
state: 8:22
